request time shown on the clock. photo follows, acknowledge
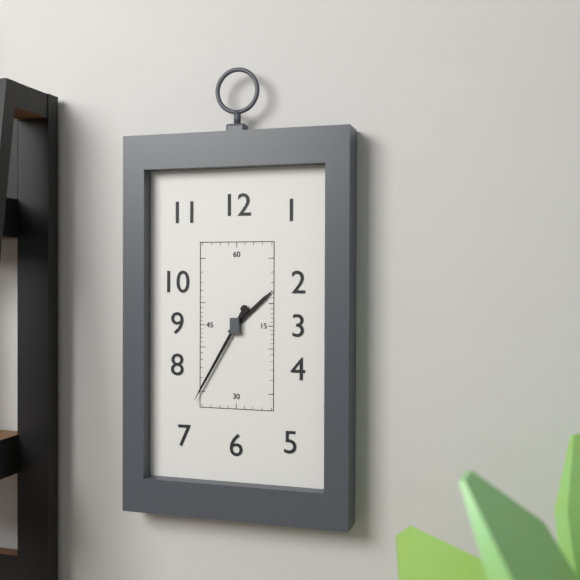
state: 1:35
